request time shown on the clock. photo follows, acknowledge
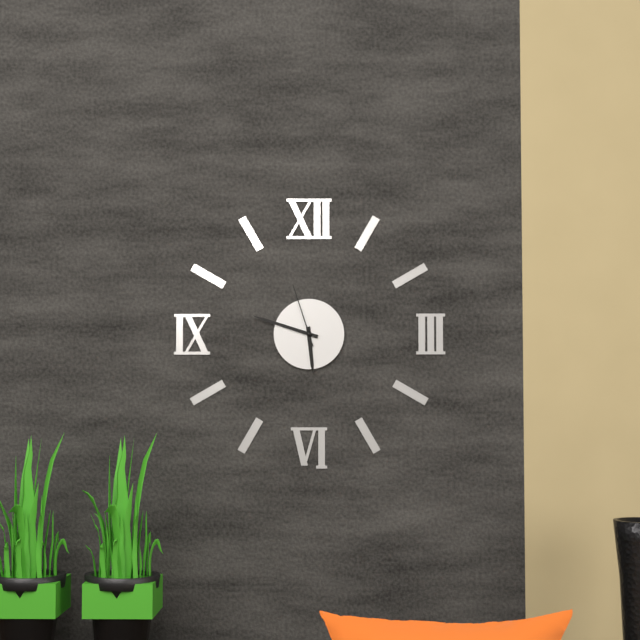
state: 5:48:57
